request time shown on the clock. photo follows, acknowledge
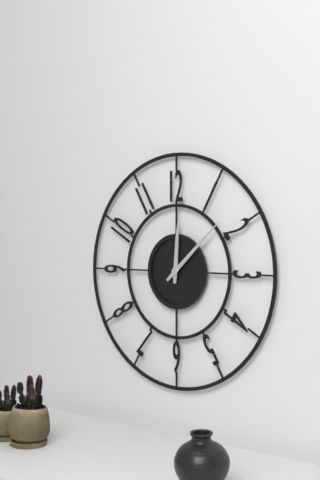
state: 12:08
